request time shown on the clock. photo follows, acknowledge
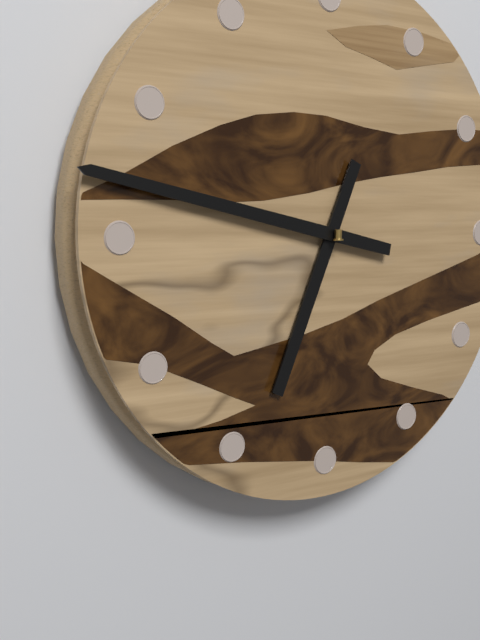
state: 6:47
